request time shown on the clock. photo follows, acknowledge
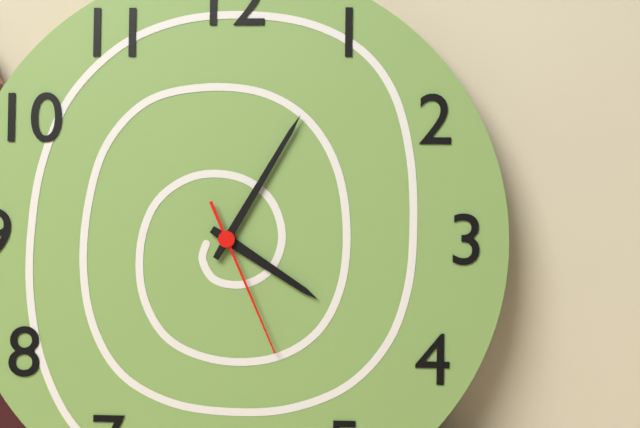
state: 4:05:26
